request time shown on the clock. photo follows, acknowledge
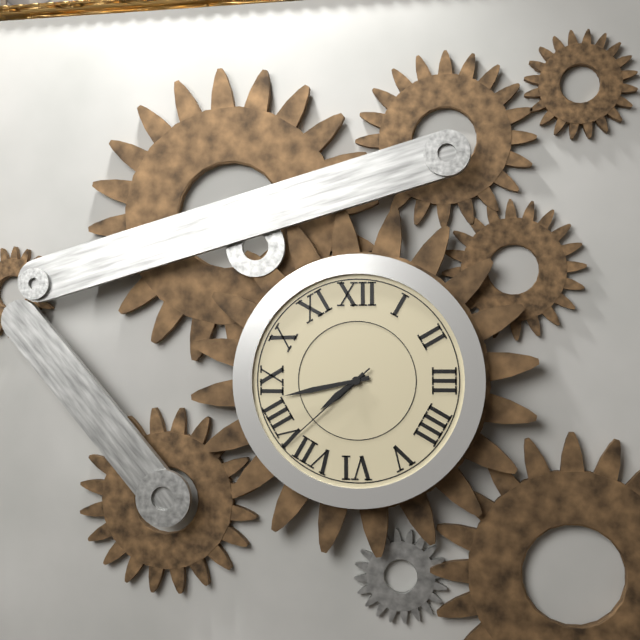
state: 7:43:38
